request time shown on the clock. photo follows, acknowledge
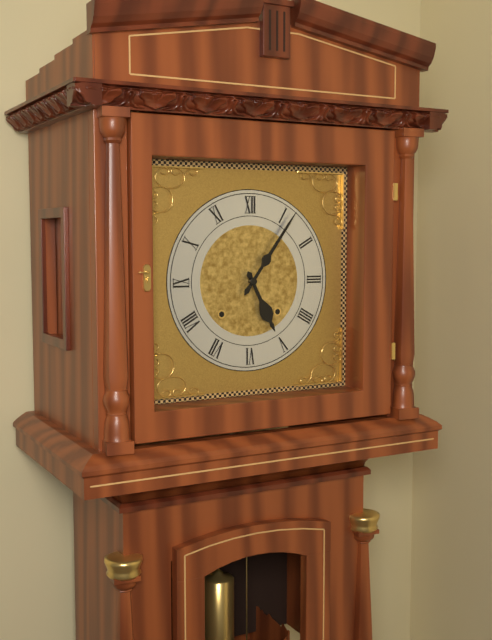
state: 5:06
